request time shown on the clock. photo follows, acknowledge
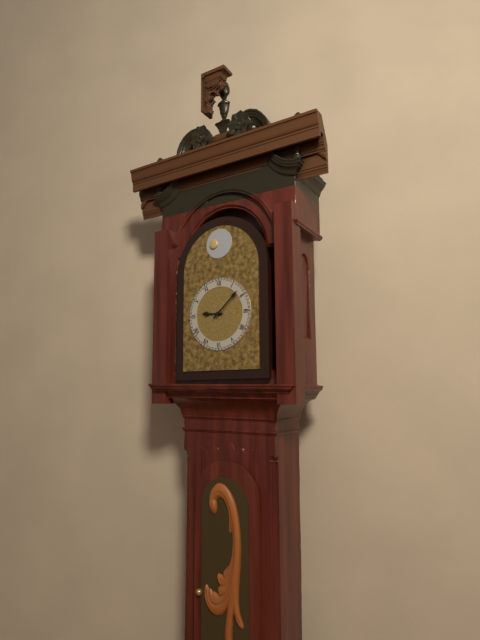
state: 9:08
